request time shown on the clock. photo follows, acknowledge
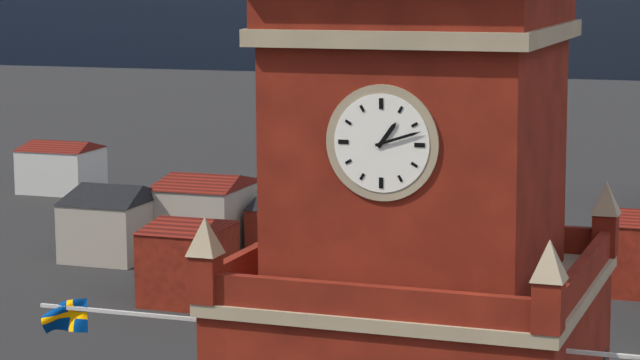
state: 1:12
